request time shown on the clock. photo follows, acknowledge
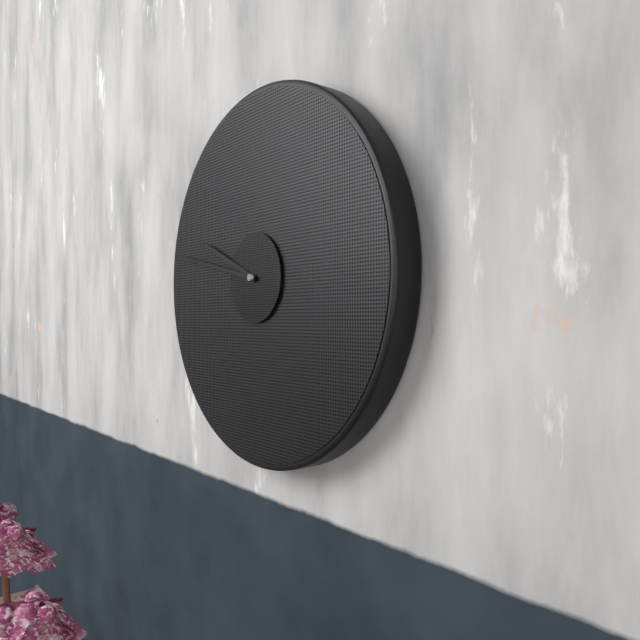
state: 9:47
